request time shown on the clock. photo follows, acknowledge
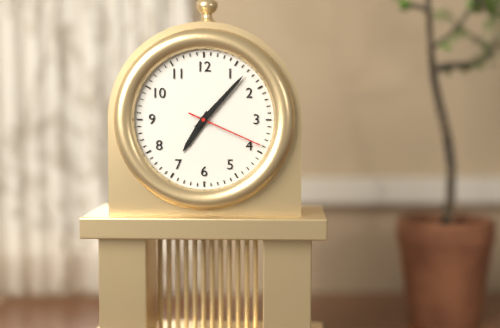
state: 7:07:19
